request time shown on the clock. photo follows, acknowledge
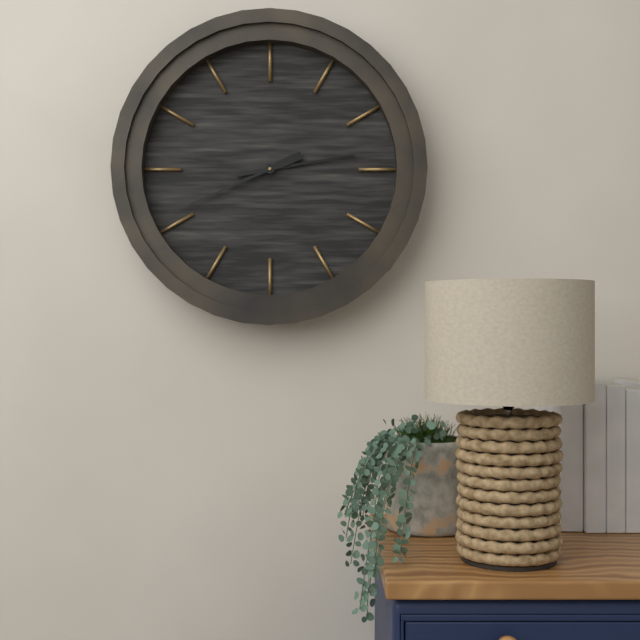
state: 2:41
